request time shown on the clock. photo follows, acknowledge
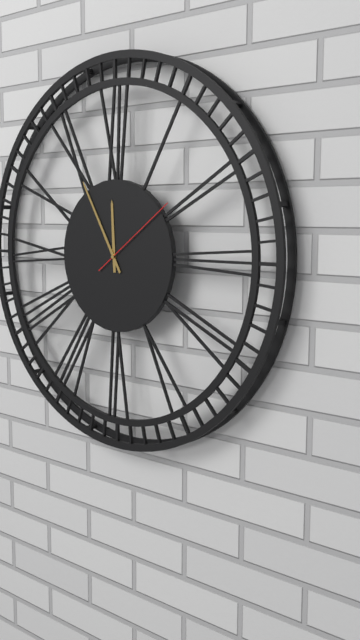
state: 11:55:09
